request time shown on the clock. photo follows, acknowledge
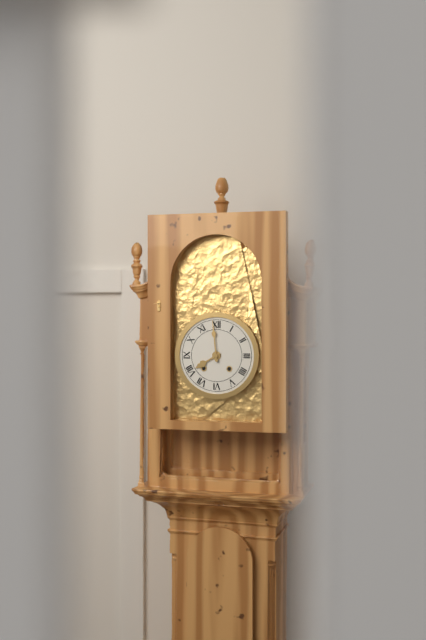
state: 7:59
